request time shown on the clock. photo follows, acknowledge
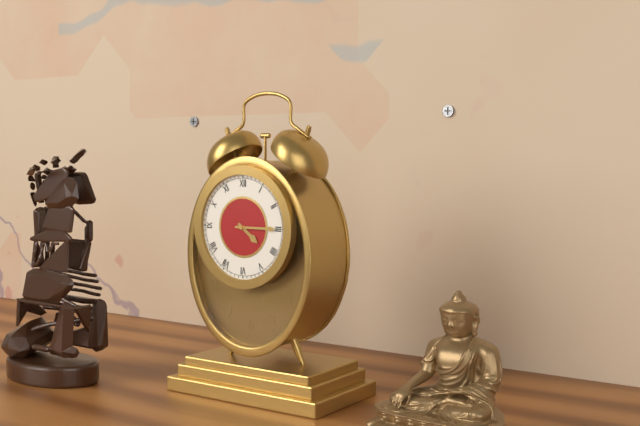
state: 4:15
